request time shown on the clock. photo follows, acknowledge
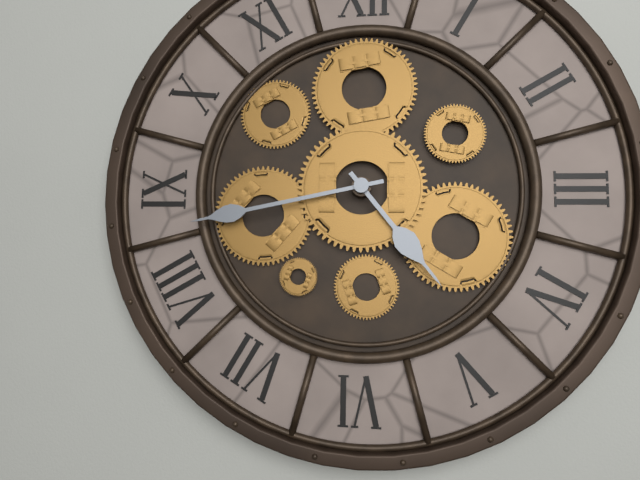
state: 4:43
